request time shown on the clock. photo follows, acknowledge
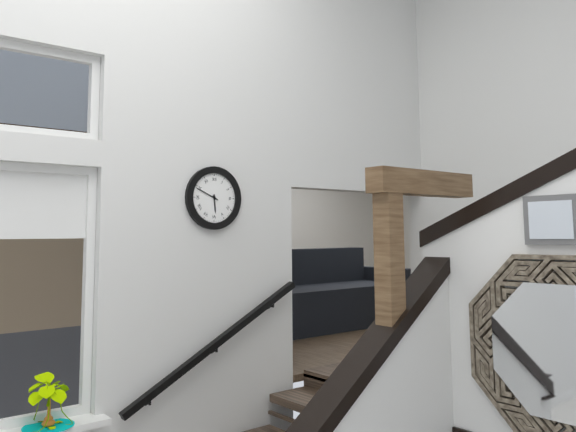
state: 5:49
